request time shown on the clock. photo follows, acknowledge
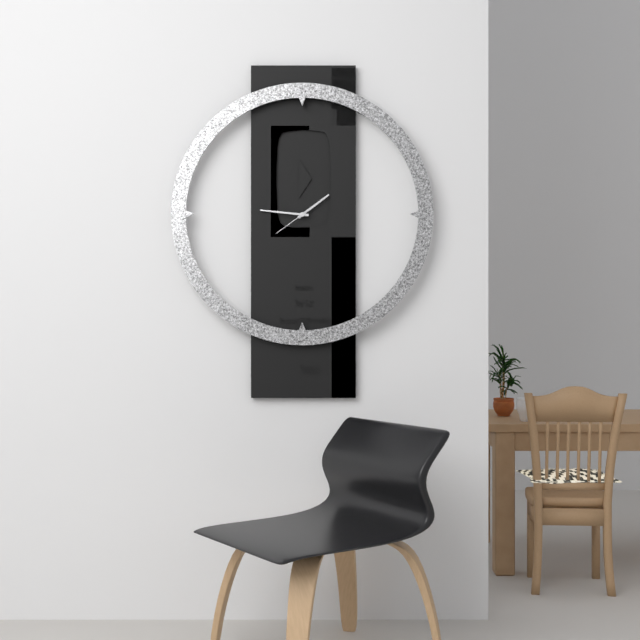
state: 1:46
